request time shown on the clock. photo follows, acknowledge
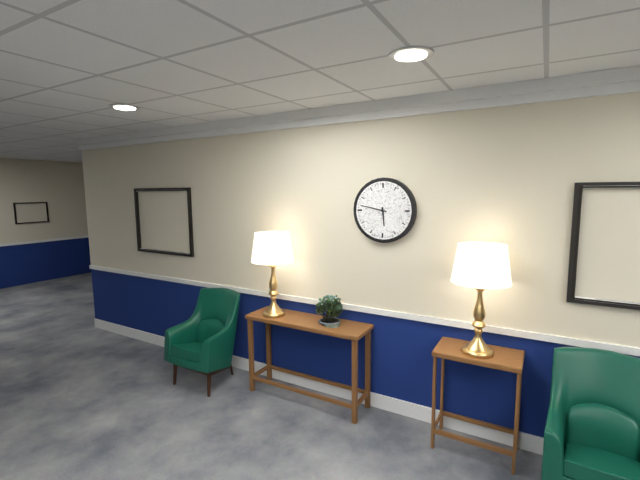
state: 5:47
